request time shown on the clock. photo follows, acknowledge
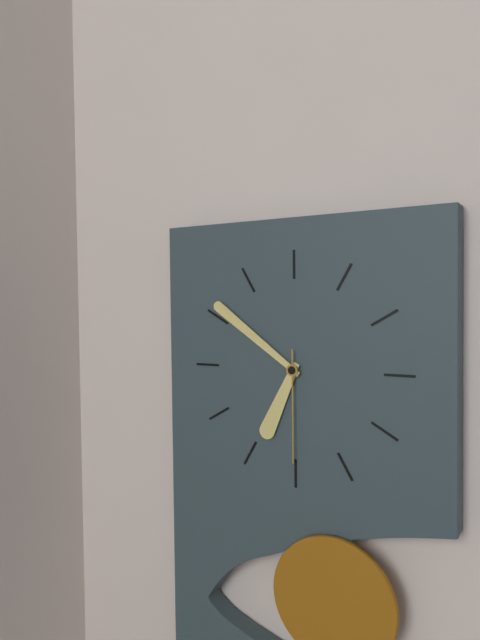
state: 6:51:30
